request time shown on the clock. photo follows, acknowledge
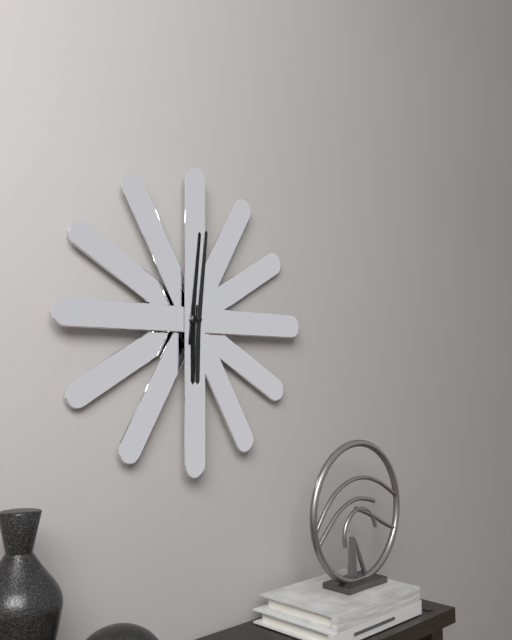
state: 6:01
